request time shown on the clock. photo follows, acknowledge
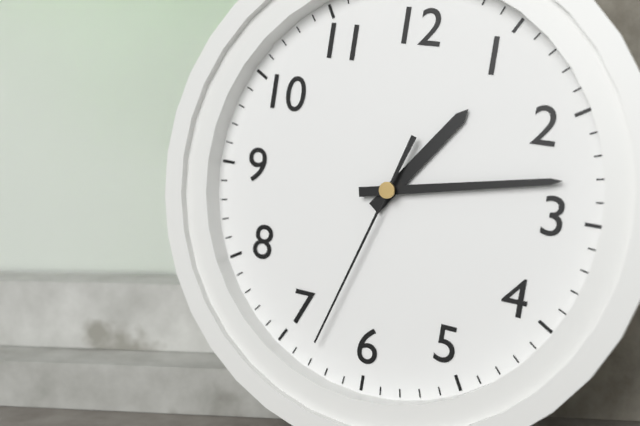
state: 1:13:33
